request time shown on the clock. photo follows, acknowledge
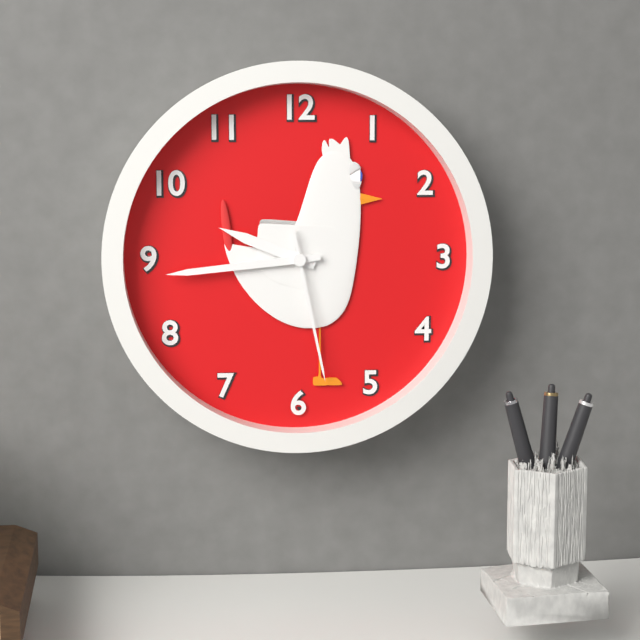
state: 9:44:28
